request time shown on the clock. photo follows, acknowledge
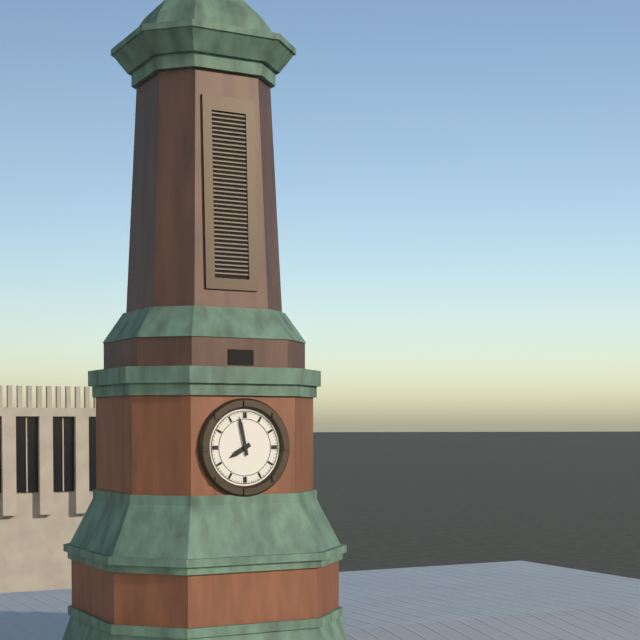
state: 7:58
